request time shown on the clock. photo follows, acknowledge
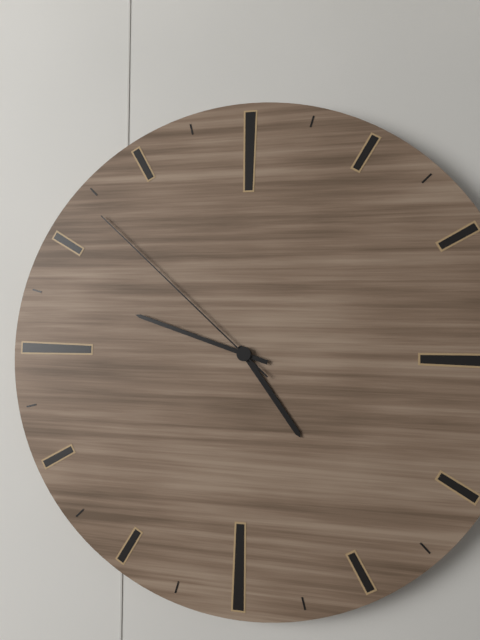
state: 4:48:52
